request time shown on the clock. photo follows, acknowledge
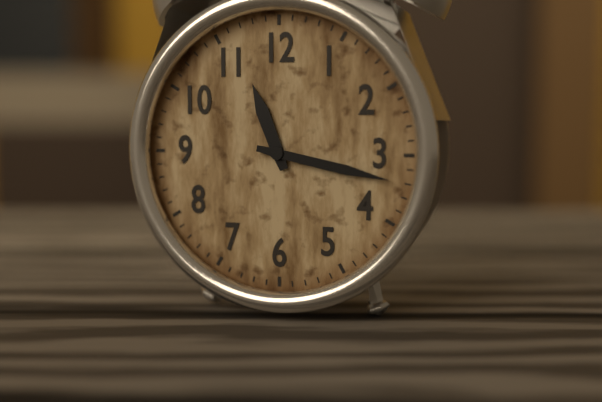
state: 11:17
